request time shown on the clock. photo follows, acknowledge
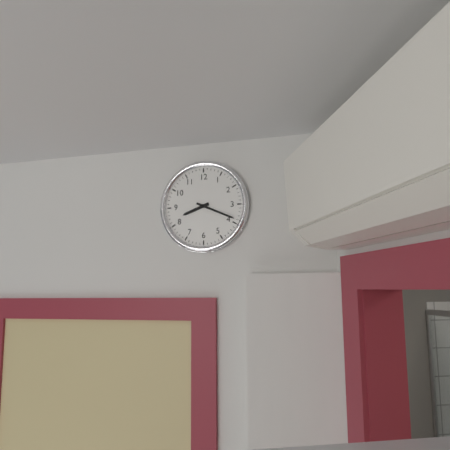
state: 8:19
